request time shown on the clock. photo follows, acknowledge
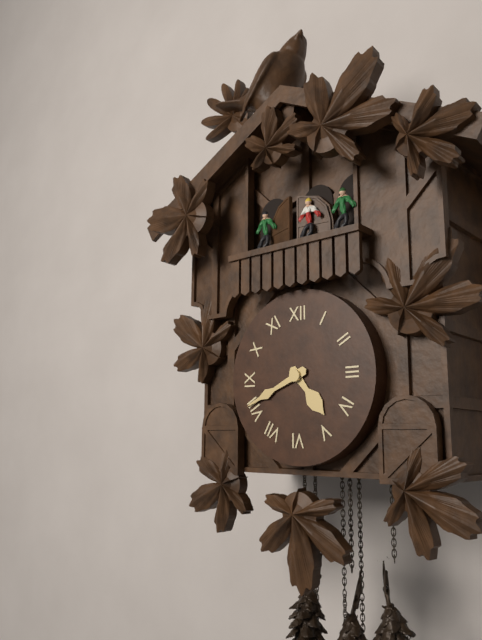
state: 4:41
